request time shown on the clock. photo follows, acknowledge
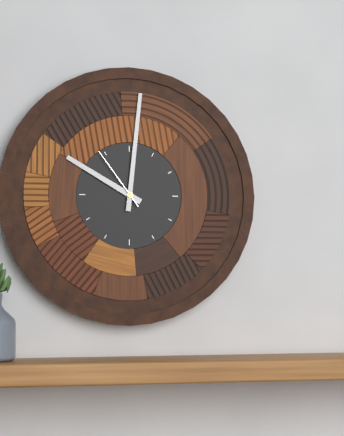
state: 10:01:54
